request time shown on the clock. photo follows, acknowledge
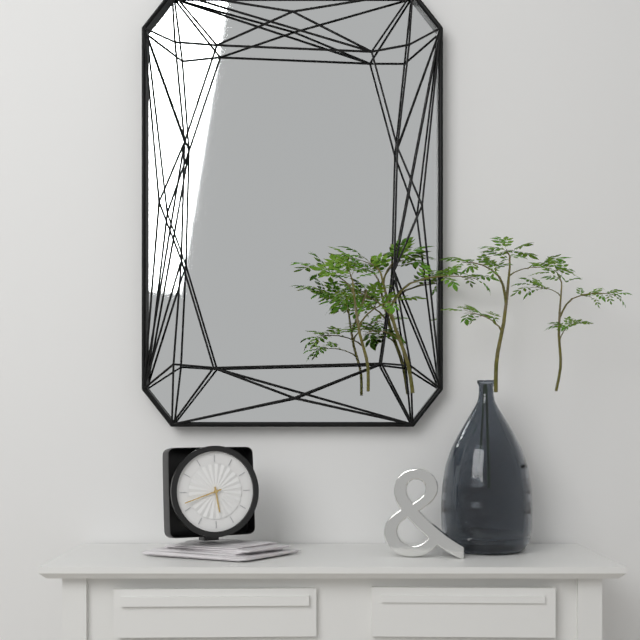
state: 5:42
